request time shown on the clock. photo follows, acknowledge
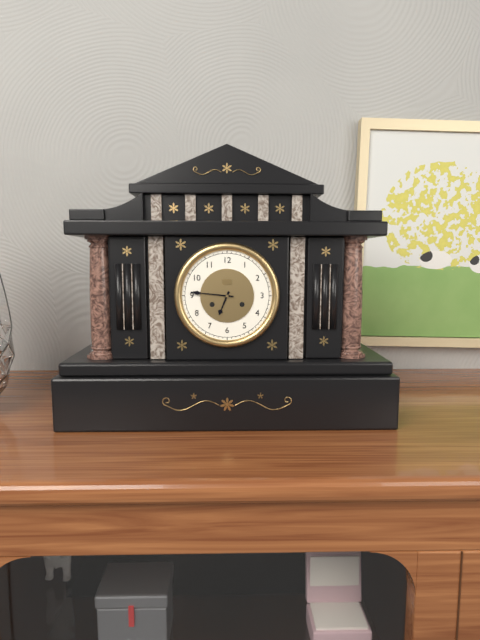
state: 6:46
